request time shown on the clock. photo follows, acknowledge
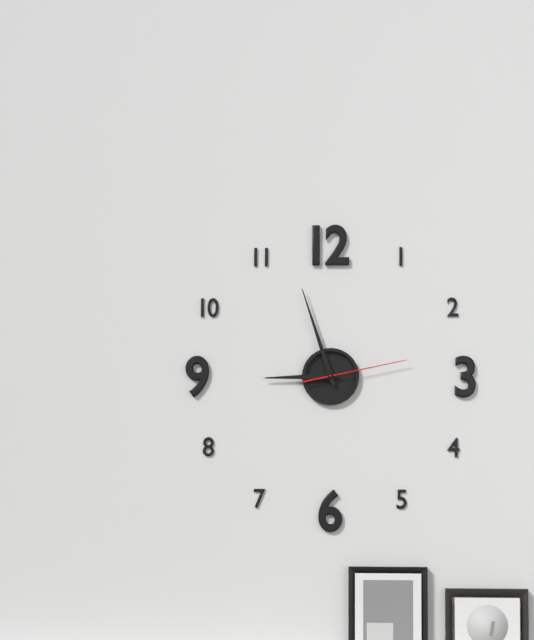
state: 8:57:13
